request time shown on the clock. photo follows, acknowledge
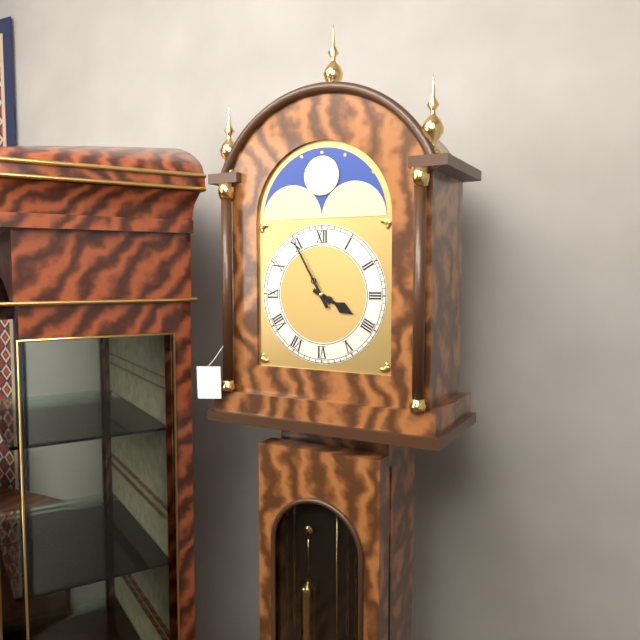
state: 3:55
